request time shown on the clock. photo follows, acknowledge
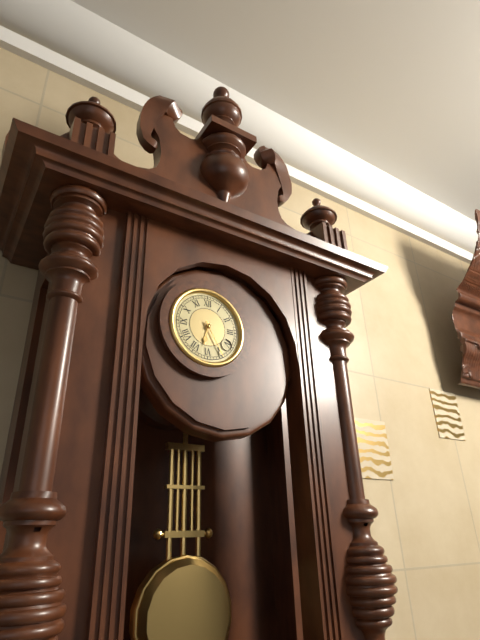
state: 6:25
